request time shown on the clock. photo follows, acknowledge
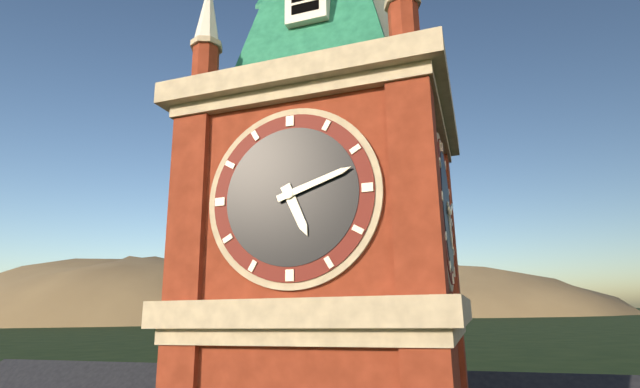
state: 5:12
